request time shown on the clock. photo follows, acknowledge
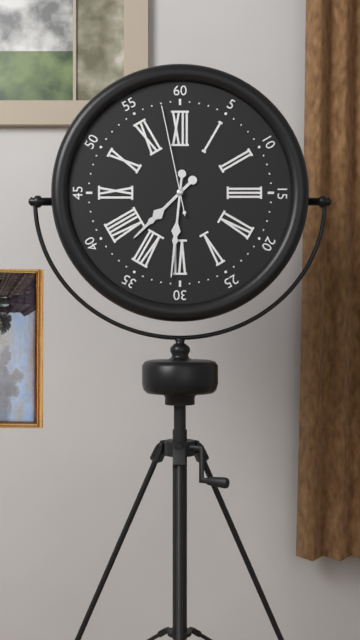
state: 7:31:58
